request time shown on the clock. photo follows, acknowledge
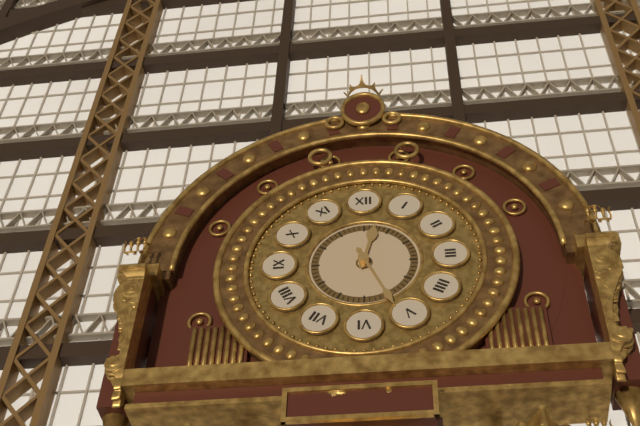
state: 12:26
